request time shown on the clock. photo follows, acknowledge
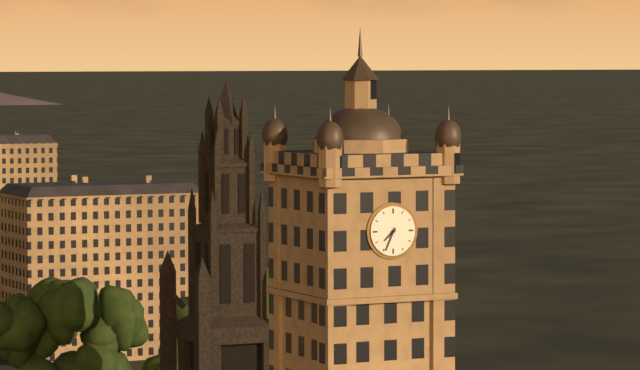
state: 7:34
